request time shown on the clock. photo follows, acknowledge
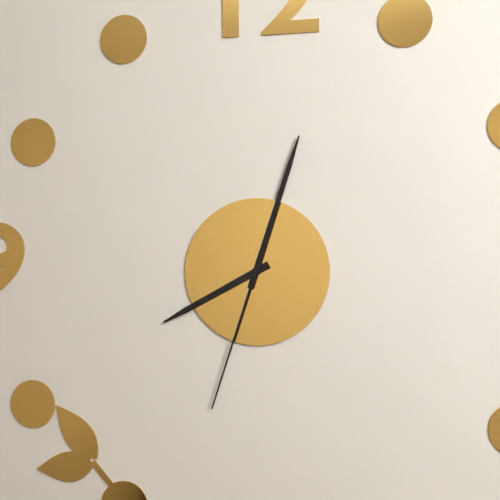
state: 8:03:33
